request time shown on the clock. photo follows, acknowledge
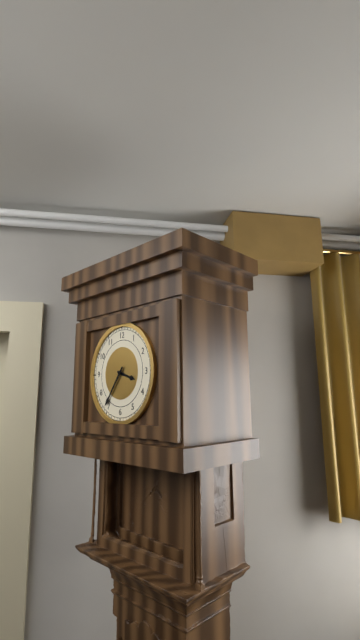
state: 3:36
